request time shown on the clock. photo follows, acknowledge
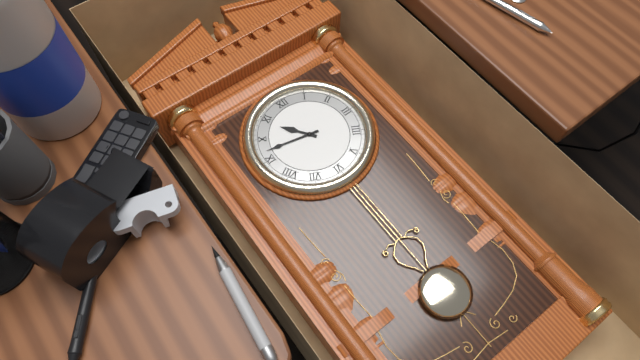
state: 10:47
